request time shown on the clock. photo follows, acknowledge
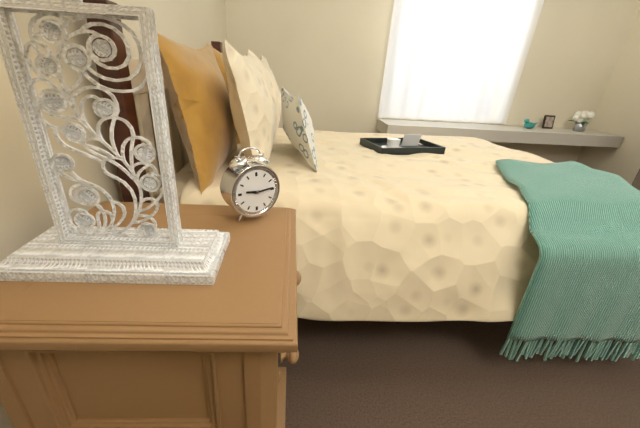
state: 9:14
